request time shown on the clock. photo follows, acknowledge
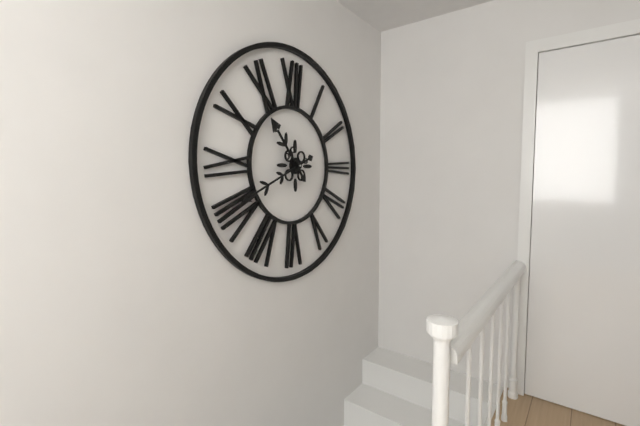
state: 10:41
